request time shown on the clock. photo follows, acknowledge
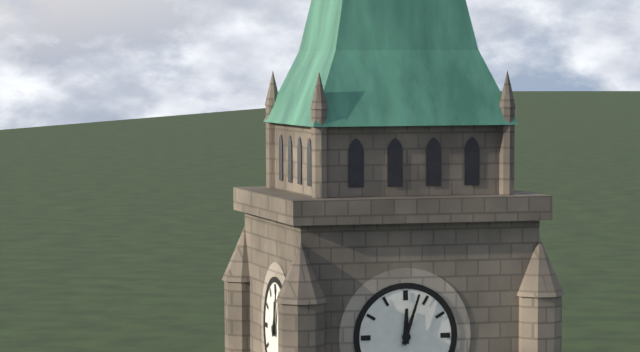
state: 12:03
